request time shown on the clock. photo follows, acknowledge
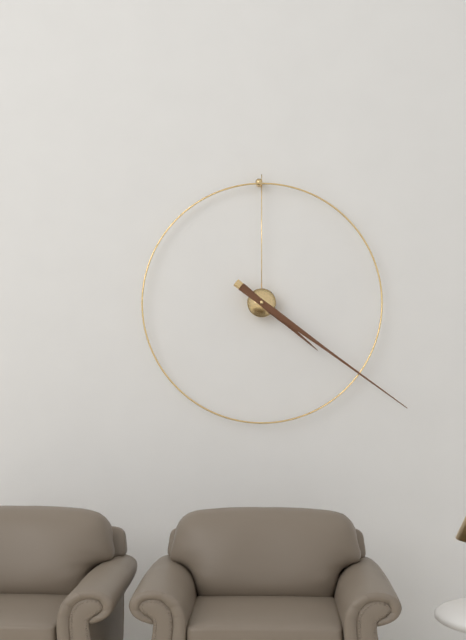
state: 4:21
